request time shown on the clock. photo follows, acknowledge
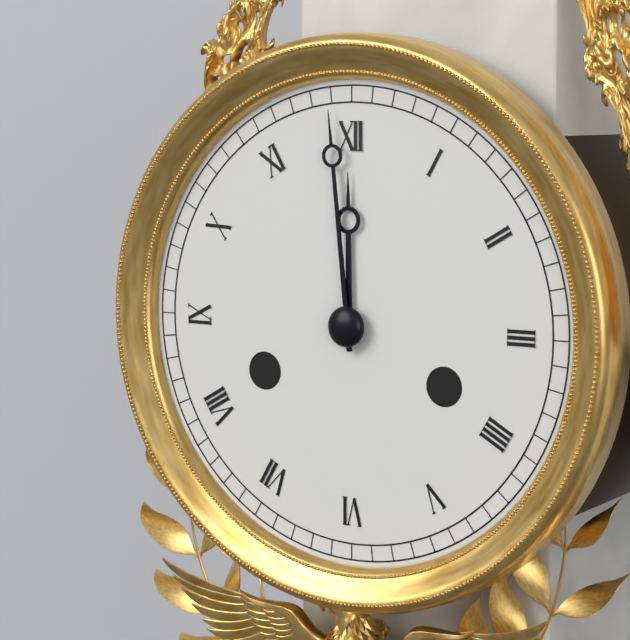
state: 11:59
